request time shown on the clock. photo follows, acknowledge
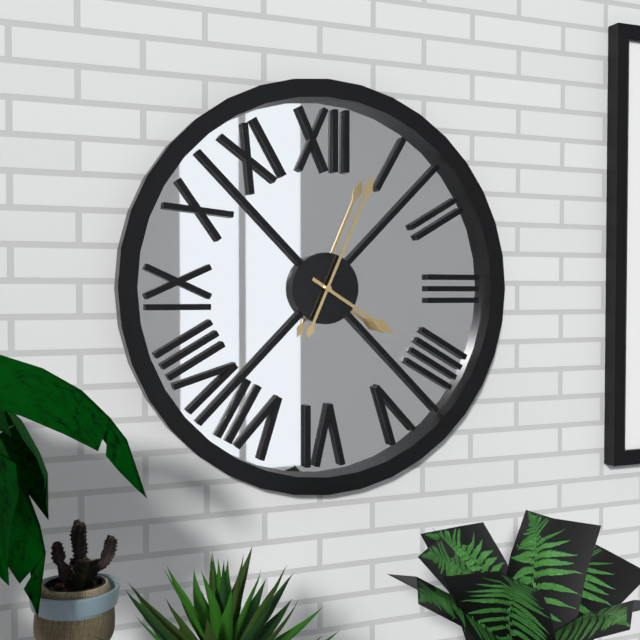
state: 4:04
